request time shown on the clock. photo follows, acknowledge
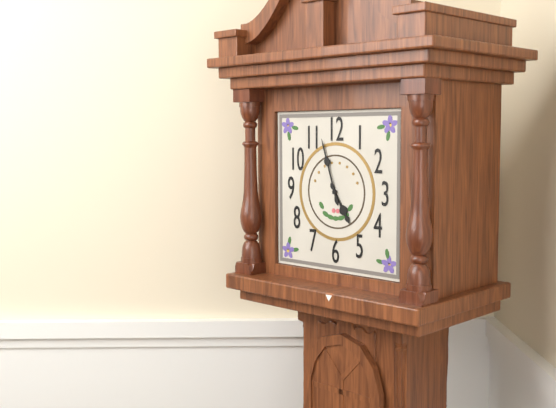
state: 4:57
